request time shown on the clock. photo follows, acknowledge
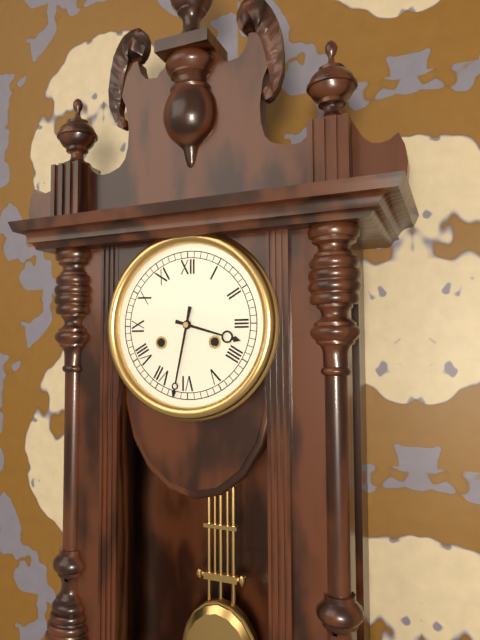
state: 3:32
